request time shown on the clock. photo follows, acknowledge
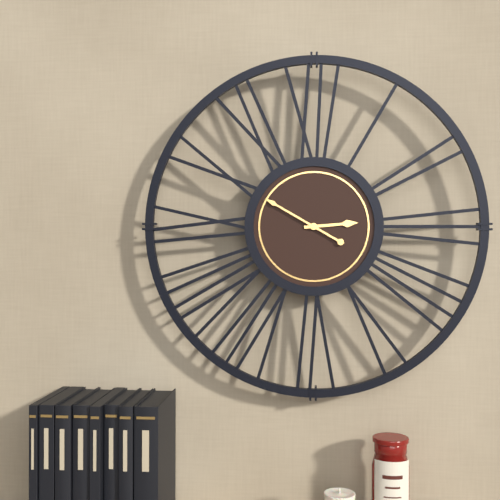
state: 2:50
